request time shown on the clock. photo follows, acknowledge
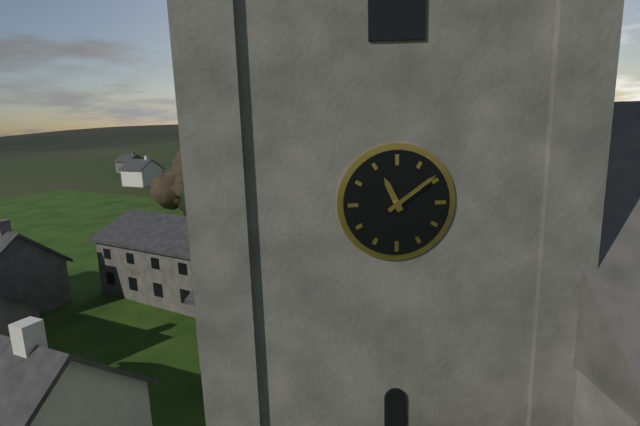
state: 11:09
